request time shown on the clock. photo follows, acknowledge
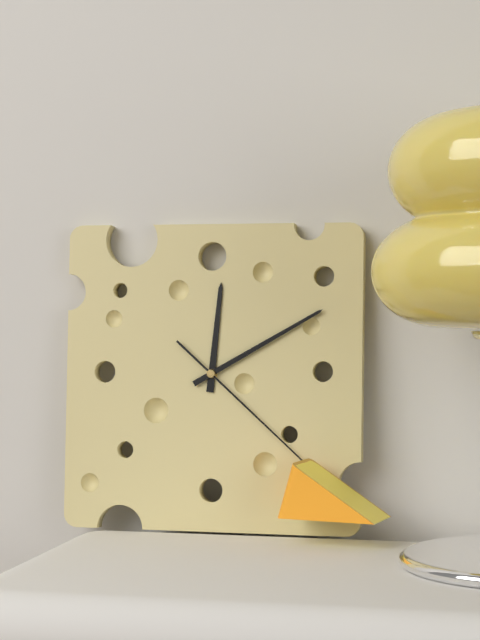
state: 12:10:22
